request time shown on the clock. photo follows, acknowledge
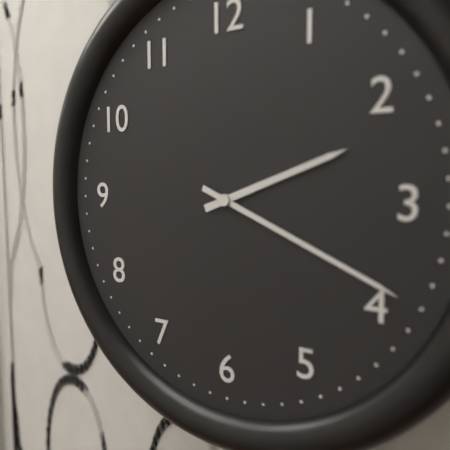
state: 2:19
